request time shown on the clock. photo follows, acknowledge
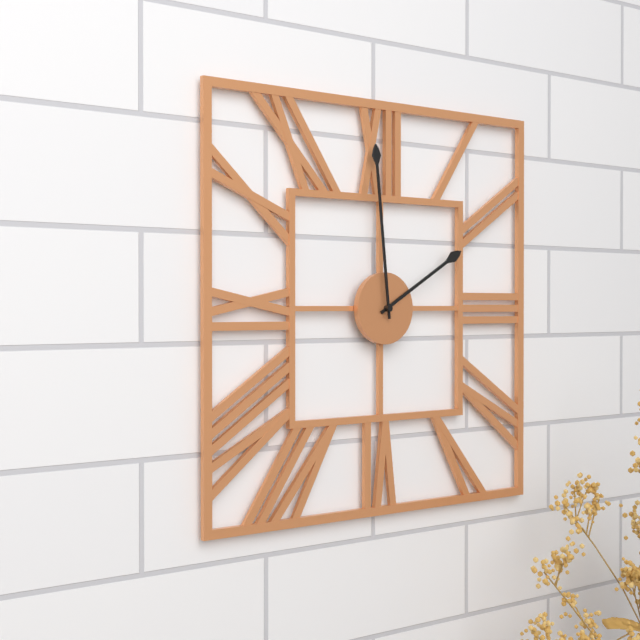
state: 1:59
